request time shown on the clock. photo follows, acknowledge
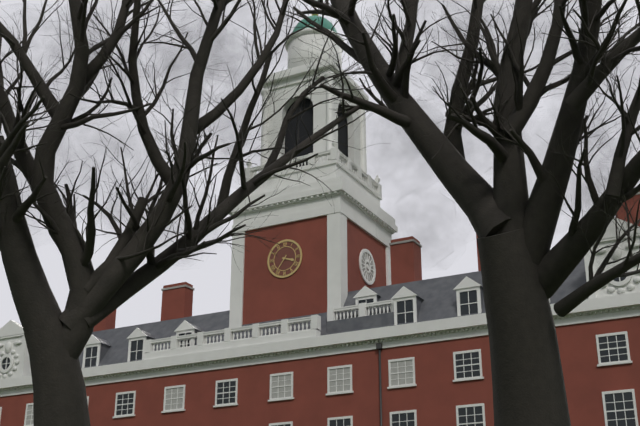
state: 3:36
